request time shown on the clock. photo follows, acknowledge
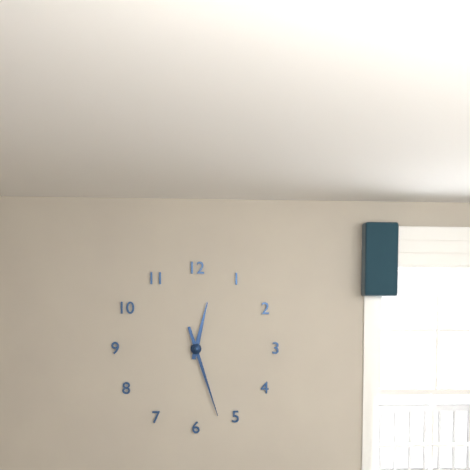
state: 12:27
